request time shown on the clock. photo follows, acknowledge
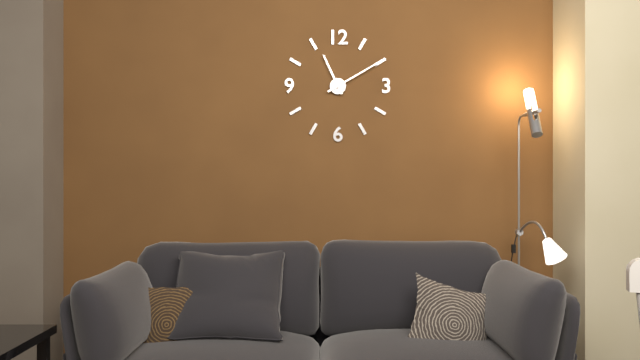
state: 11:10
